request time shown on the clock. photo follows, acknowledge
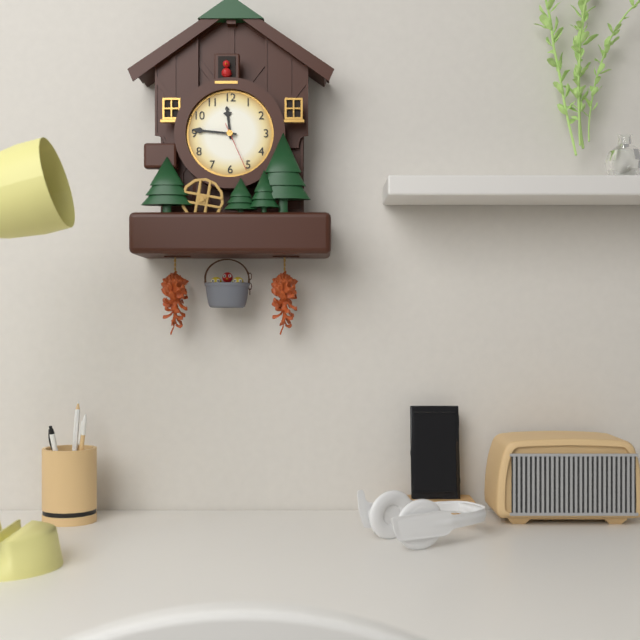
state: 11:46:26
